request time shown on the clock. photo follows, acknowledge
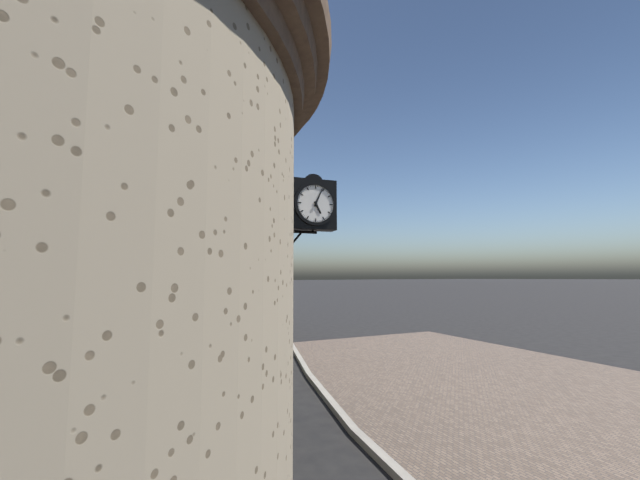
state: 5:04
